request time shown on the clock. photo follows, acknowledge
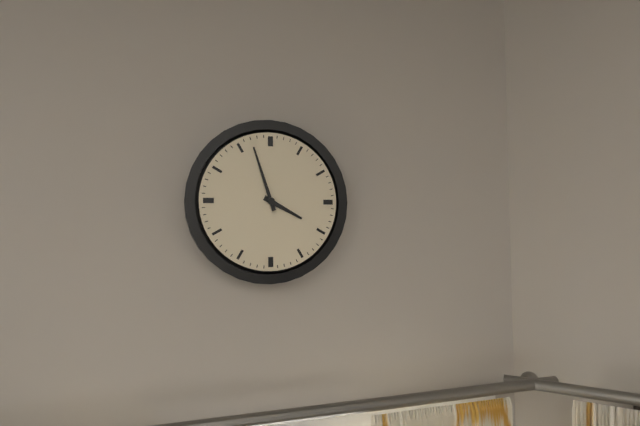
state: 3:57
